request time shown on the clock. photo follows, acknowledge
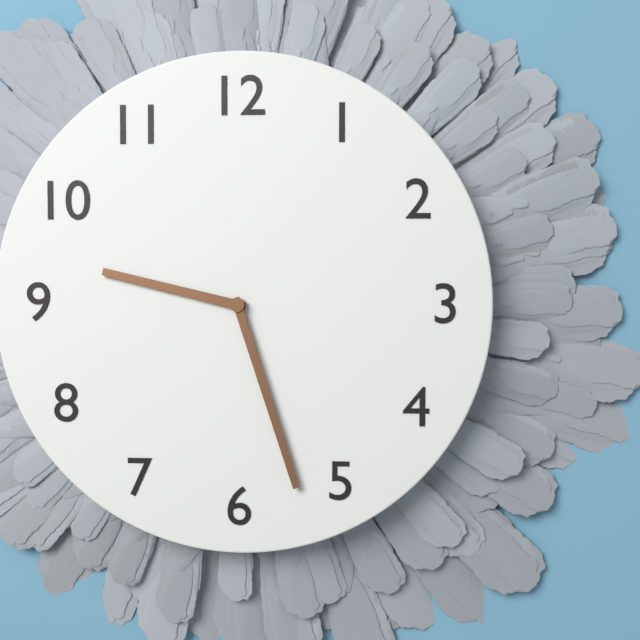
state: 9:27
